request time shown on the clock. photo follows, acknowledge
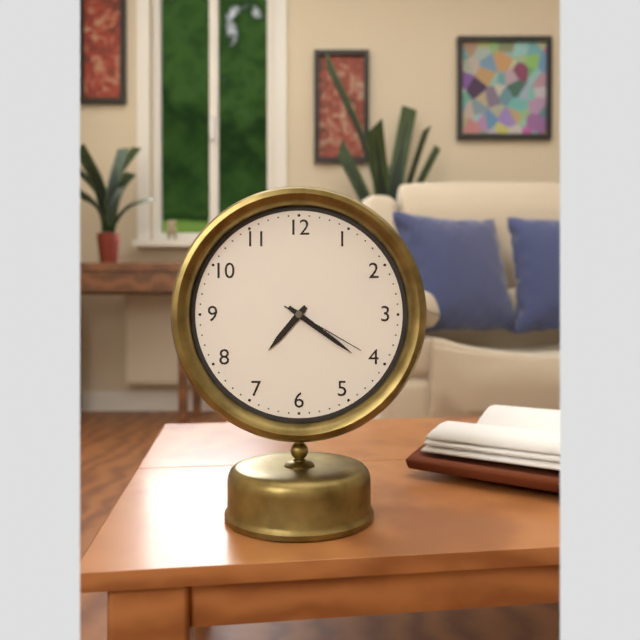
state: 7:21:20
